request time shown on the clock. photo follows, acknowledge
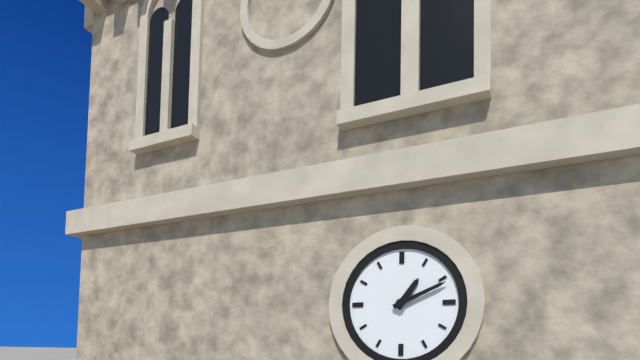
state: 1:11
